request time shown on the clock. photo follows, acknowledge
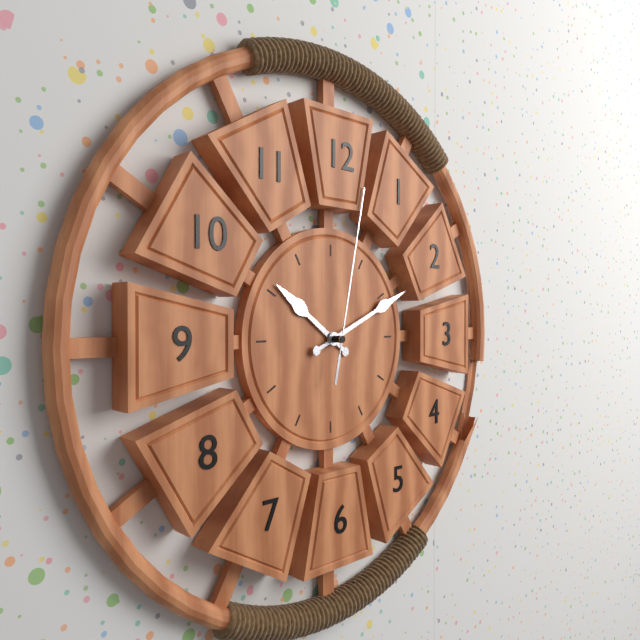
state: 10:11:02
